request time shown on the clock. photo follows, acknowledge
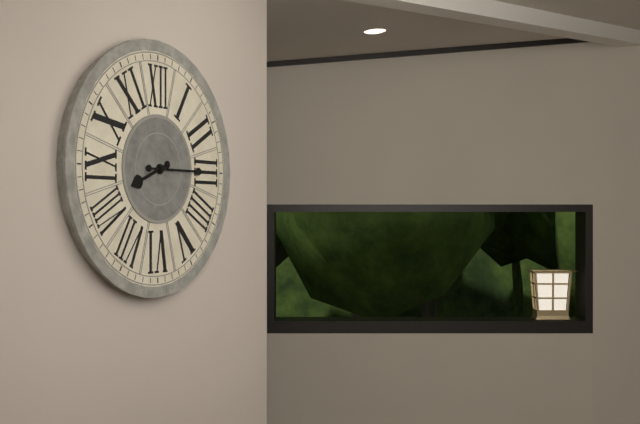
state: 8:15
